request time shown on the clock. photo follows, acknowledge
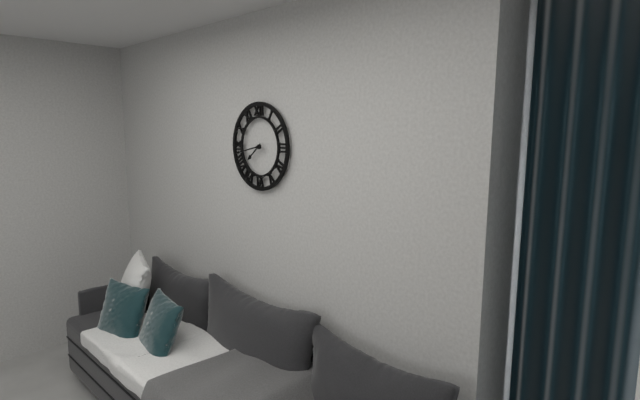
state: 7:43
